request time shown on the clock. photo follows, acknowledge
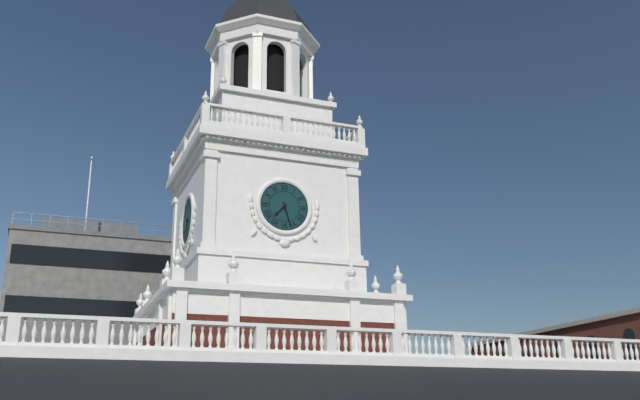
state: 7:27
